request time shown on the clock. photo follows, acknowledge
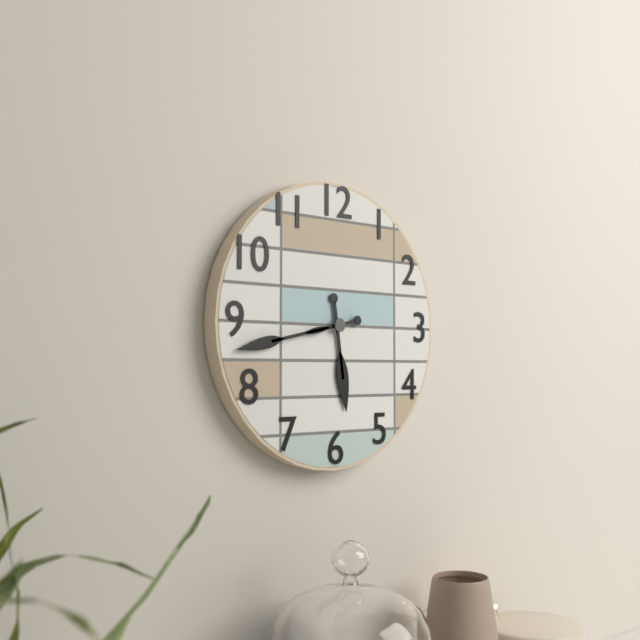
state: 5:43
